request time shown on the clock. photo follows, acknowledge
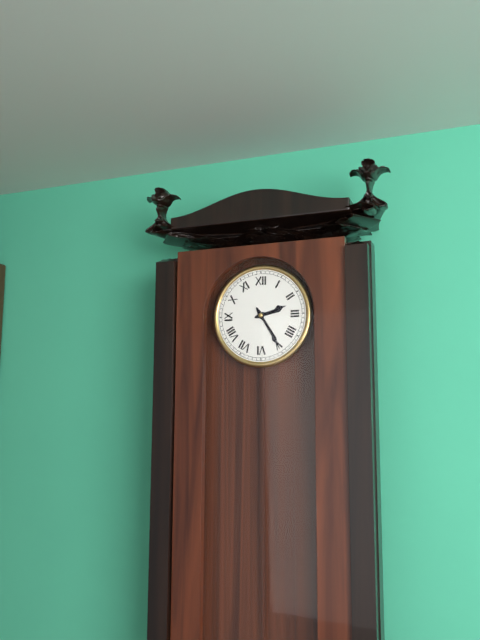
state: 2:25
